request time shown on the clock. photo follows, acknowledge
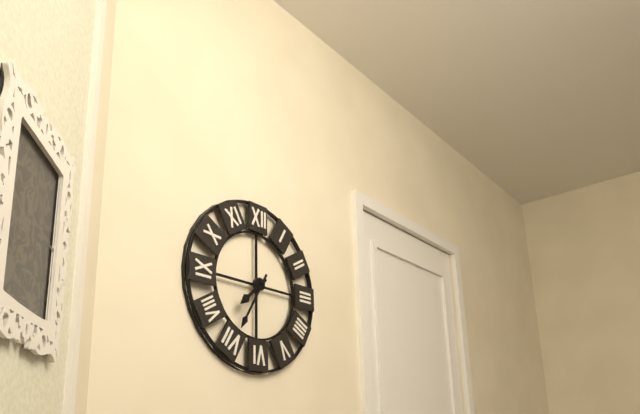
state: 7:35
